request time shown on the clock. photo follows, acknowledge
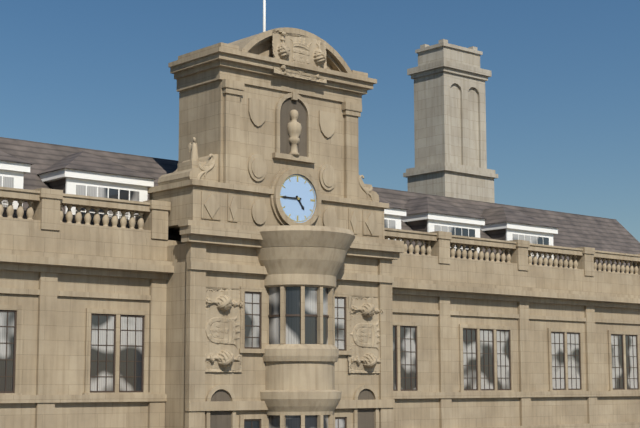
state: 4:45
